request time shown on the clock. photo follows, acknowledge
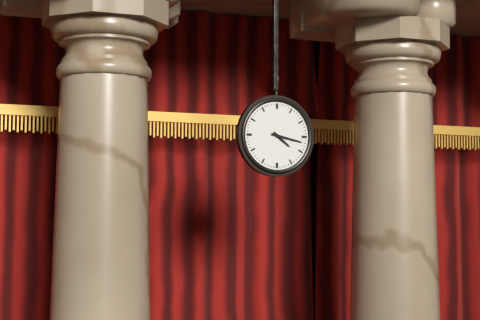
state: 4:17
